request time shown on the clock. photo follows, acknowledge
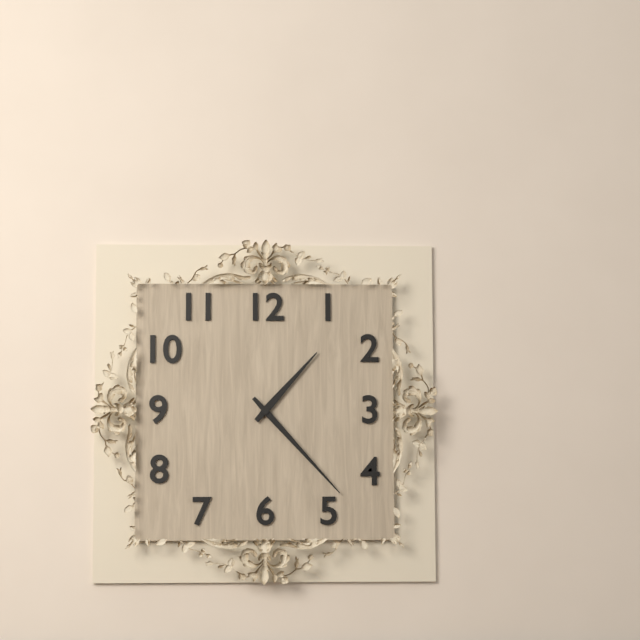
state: 1:23
